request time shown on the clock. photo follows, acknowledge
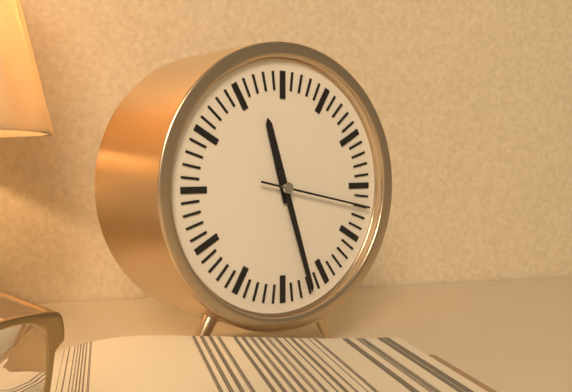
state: 11:27:17
